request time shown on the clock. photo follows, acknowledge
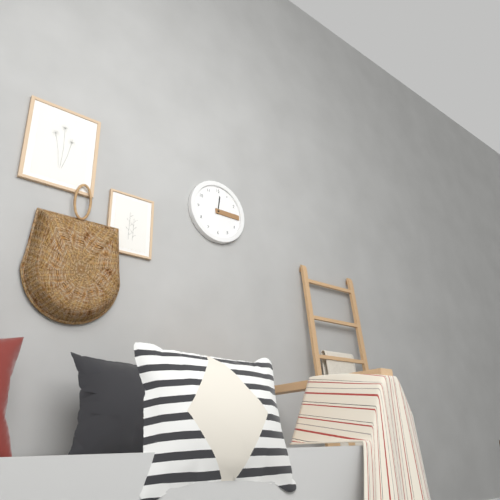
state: 12:15
